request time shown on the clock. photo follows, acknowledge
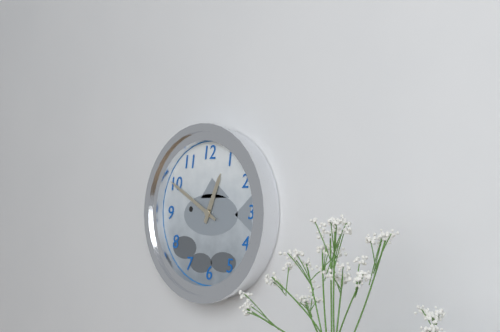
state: 12:50
